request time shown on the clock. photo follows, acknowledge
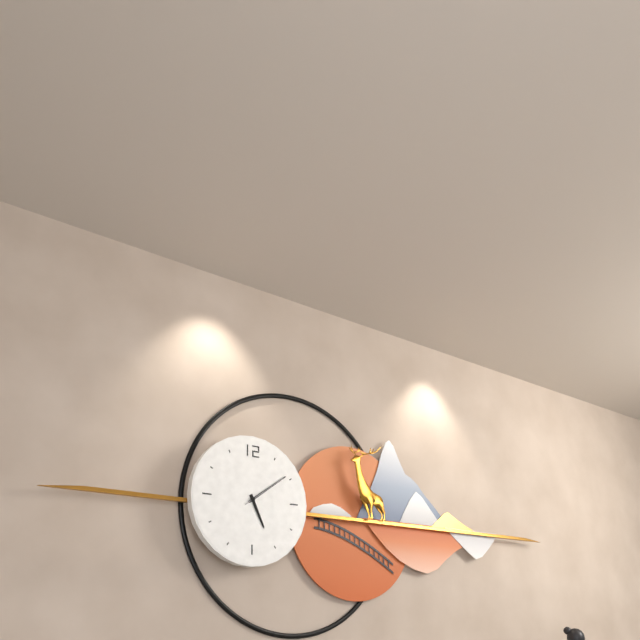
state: 5:09
